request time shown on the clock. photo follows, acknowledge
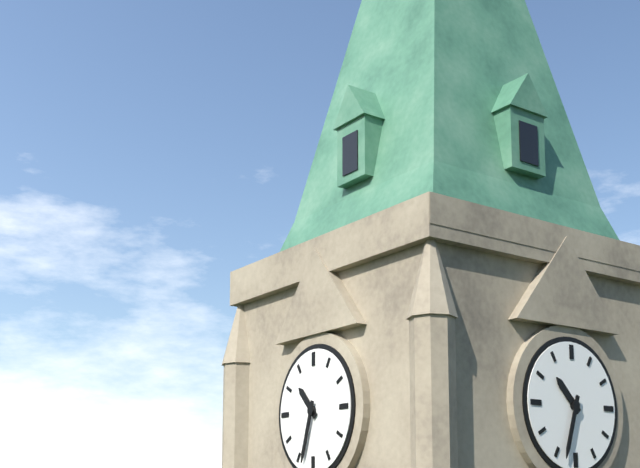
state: 10:33
